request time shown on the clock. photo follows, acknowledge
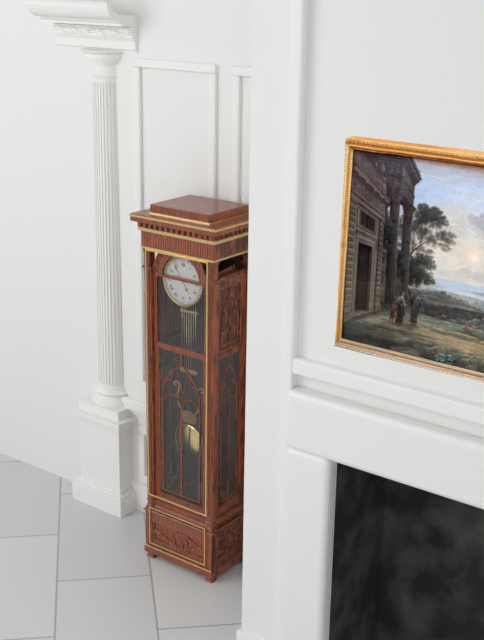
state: 4:54
